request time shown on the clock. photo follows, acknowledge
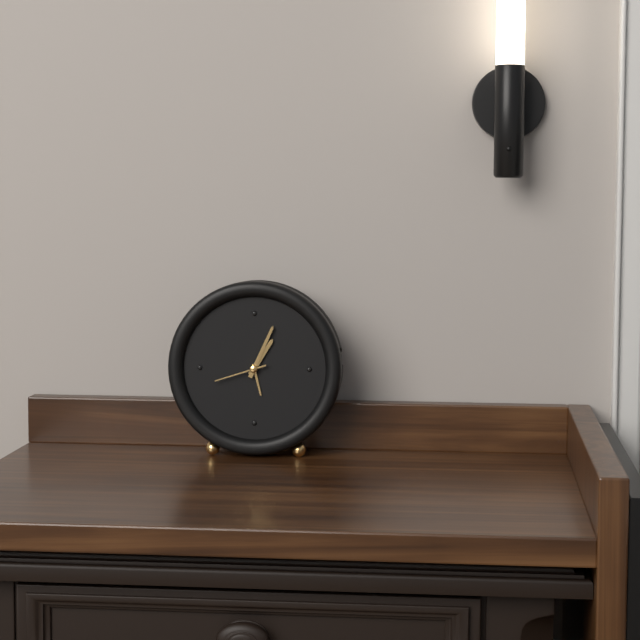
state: 1:04:42
